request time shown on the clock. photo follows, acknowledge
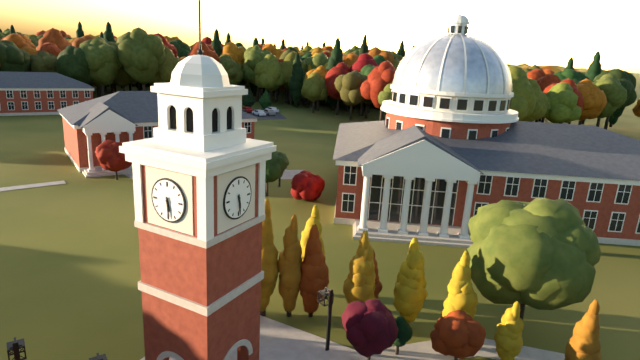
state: 5:29
